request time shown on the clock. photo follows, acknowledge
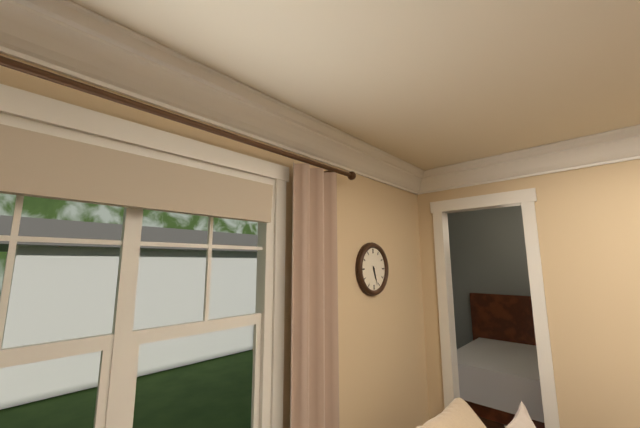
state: 5:27
